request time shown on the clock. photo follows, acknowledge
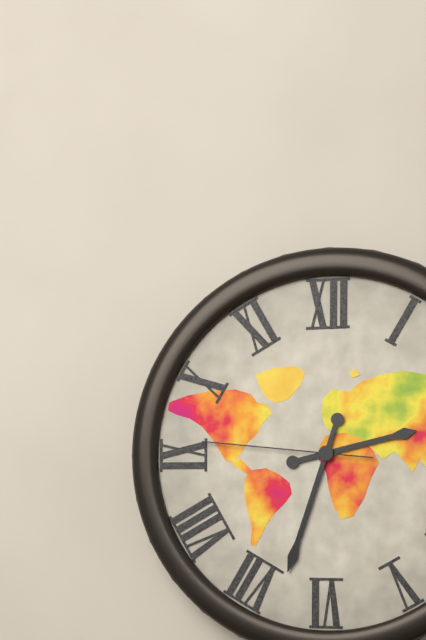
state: 2:33:46
